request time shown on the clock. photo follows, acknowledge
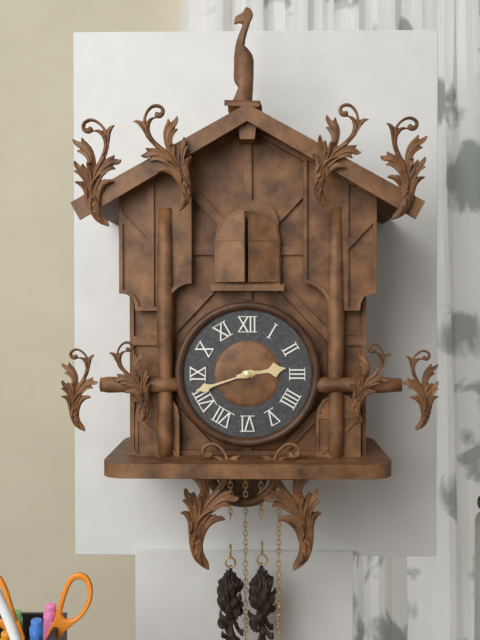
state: 2:42
